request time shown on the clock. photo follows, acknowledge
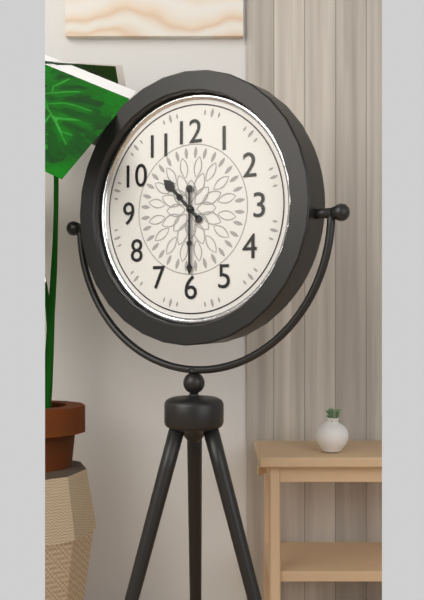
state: 10:30
